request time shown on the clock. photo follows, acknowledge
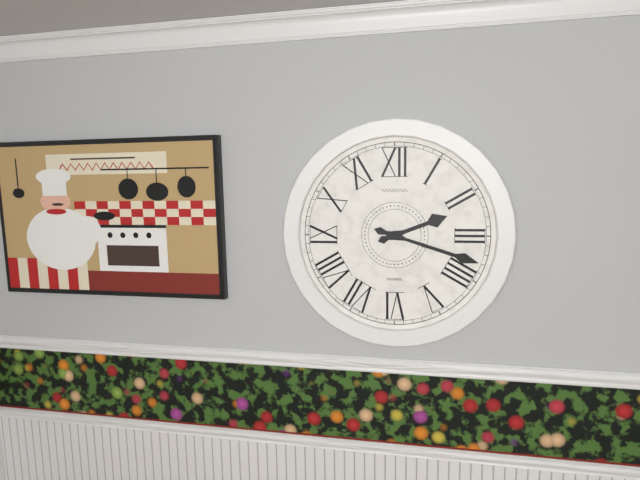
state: 2:18
